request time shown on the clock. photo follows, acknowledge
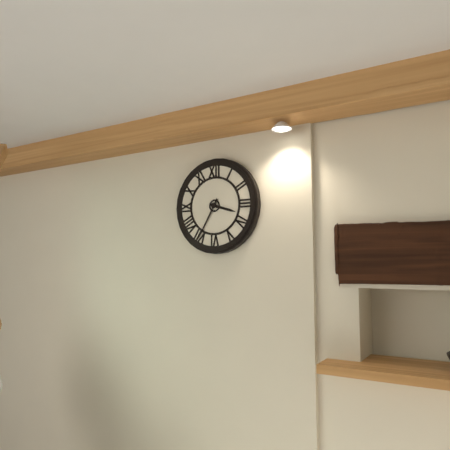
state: 3:35
